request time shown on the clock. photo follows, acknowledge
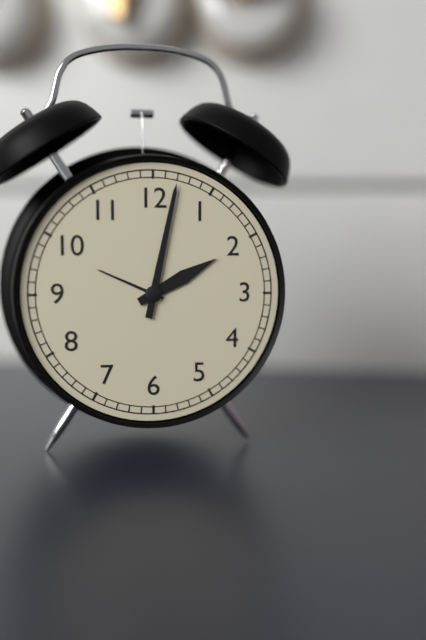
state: 2:02
